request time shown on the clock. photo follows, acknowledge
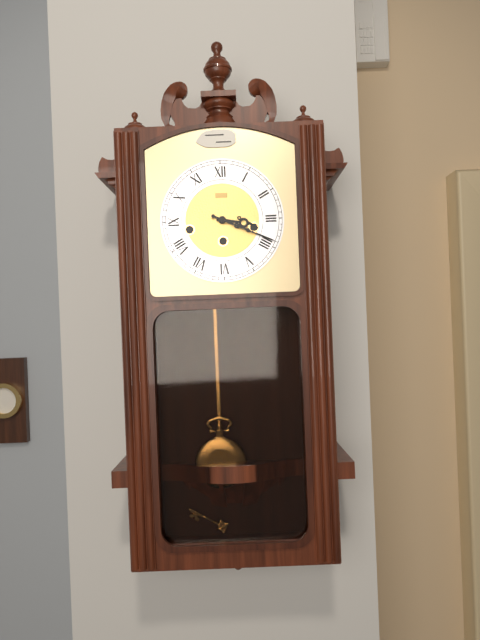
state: 3:19
